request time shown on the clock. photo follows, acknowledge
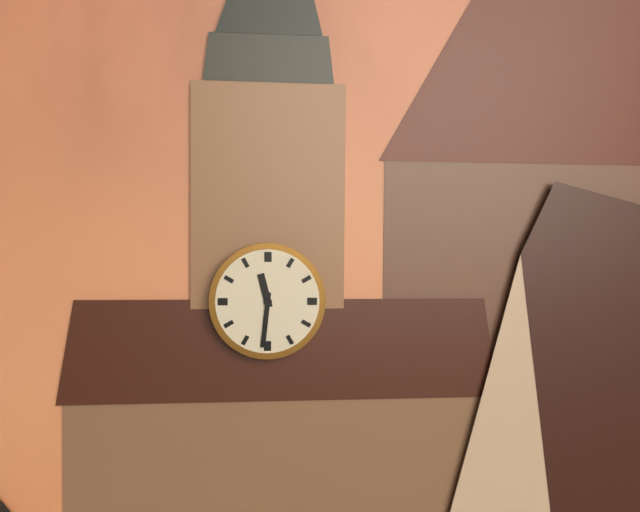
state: 11:31
